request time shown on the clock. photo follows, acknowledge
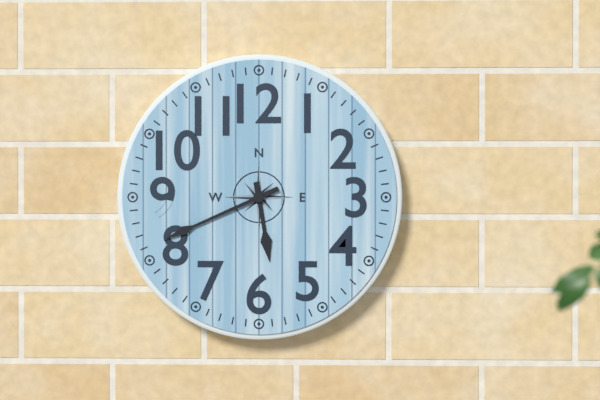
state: 5:41
